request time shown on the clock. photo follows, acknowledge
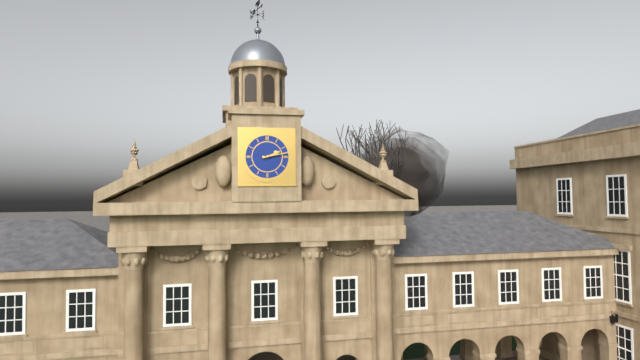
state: 2:13
